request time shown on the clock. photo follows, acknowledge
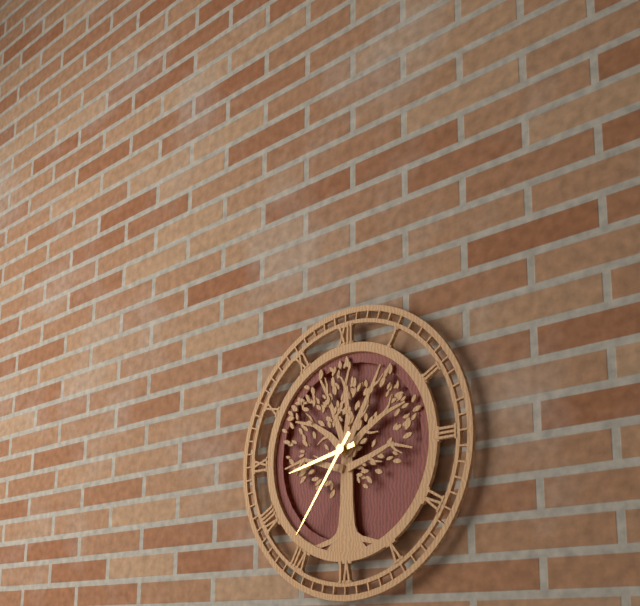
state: 8:36
